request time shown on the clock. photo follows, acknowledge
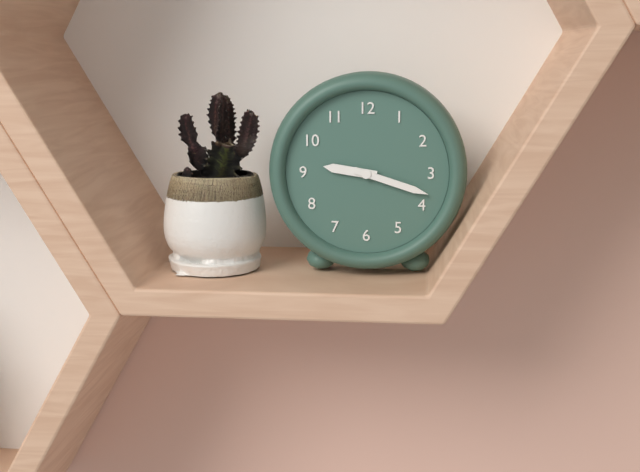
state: 9:18
